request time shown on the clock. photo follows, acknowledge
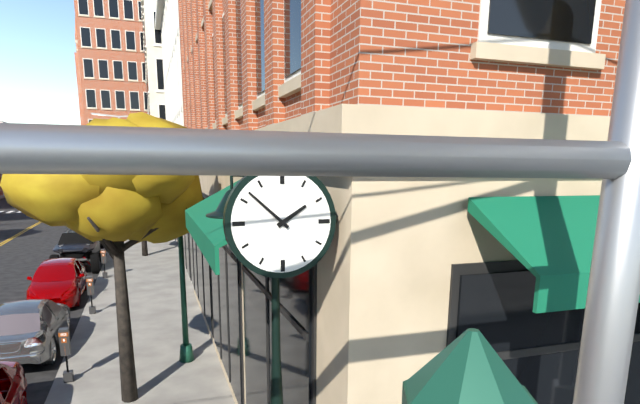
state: 1:52
